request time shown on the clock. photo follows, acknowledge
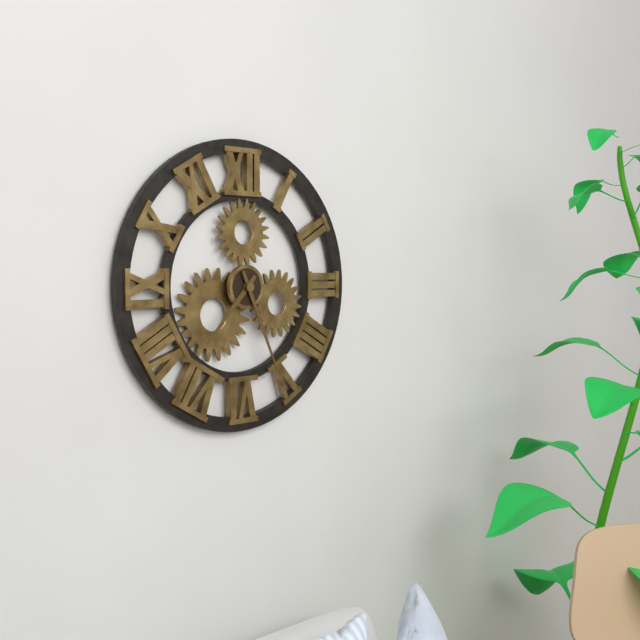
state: 7:26
